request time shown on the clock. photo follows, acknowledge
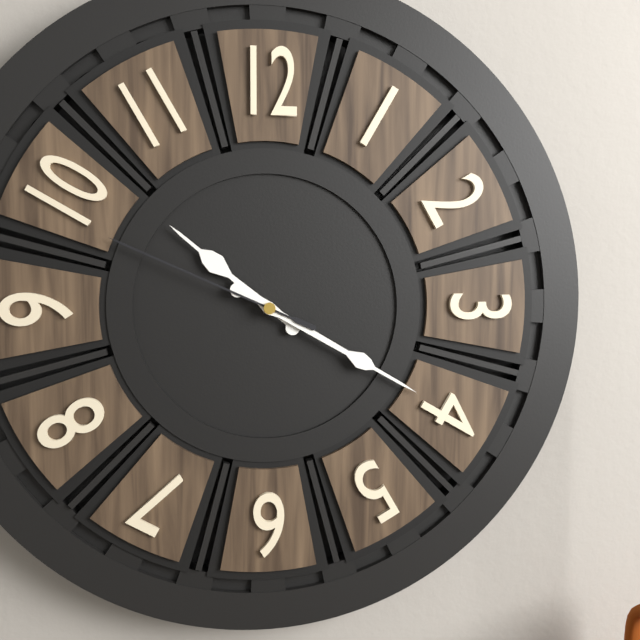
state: 10:20:49
